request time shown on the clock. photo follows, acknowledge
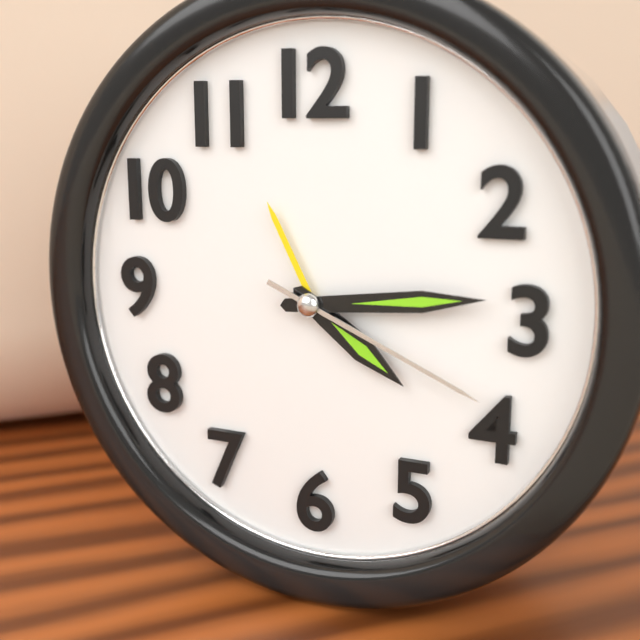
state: 4:14:19
